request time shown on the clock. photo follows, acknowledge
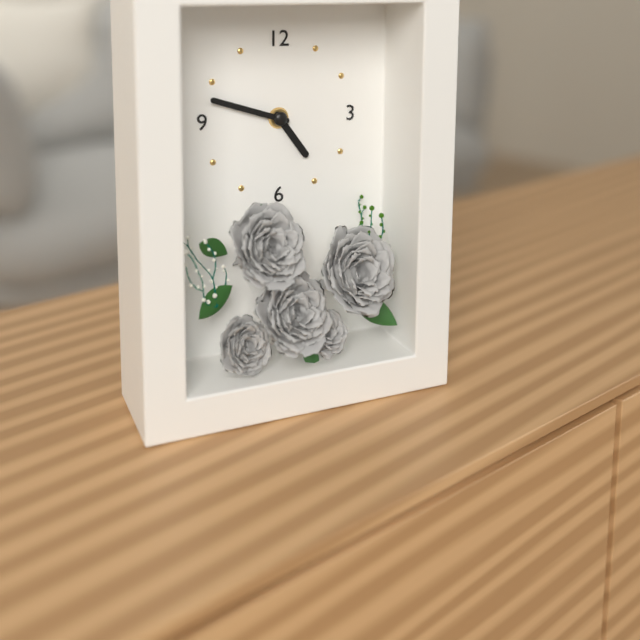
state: 4:48
